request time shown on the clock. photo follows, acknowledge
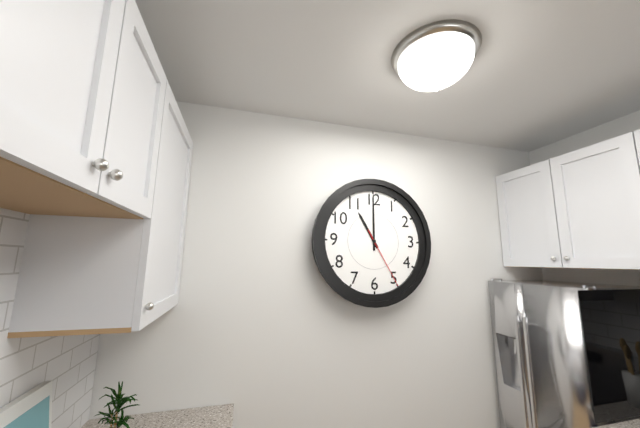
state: 11:00:25
